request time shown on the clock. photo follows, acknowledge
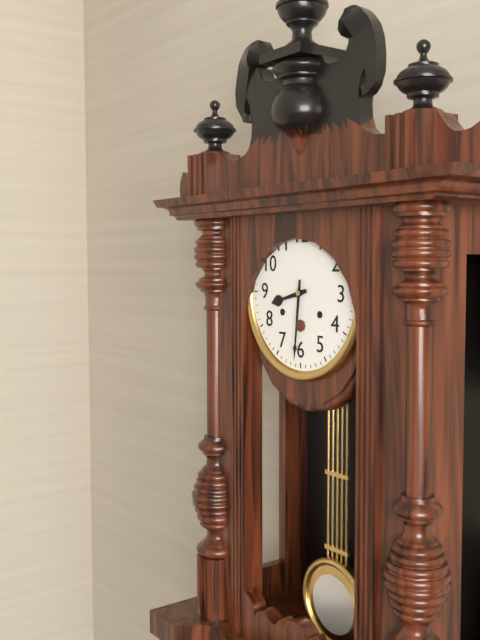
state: 8:31
